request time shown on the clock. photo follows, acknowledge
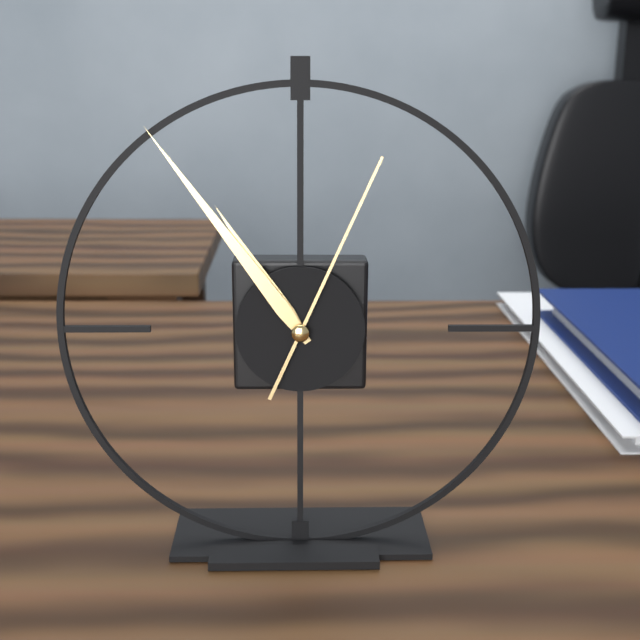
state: 10:54:04
